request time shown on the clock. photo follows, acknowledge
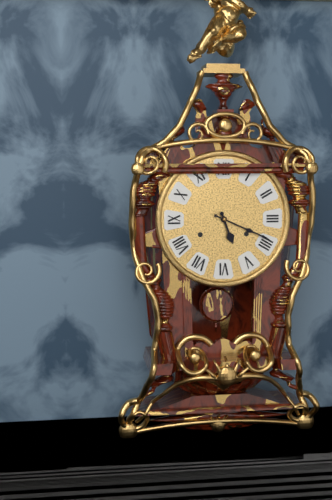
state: 5:19
